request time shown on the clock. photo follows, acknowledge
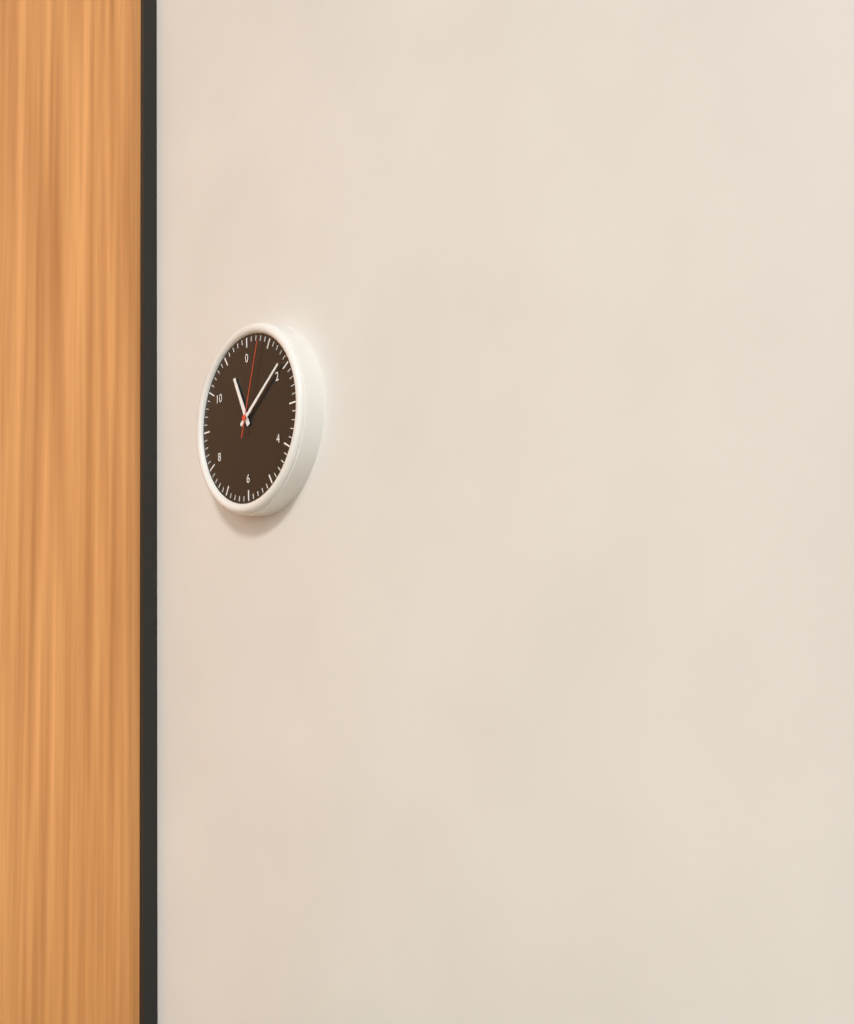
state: 11:09:03
